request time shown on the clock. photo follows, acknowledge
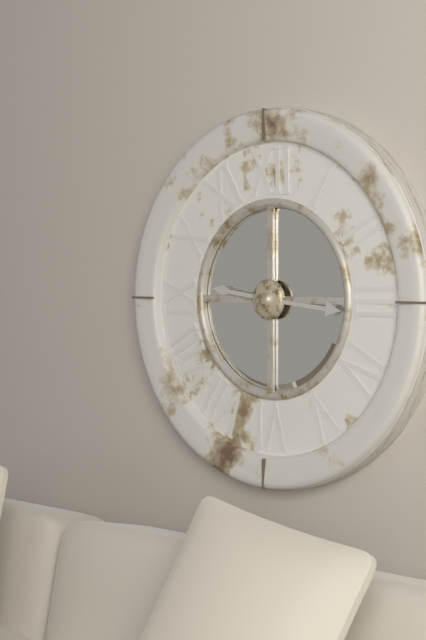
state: 9:16
